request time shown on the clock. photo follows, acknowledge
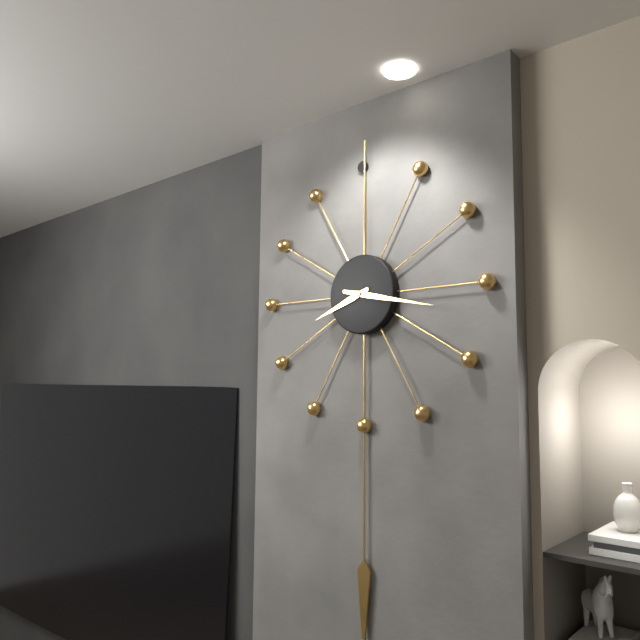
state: 8:17
